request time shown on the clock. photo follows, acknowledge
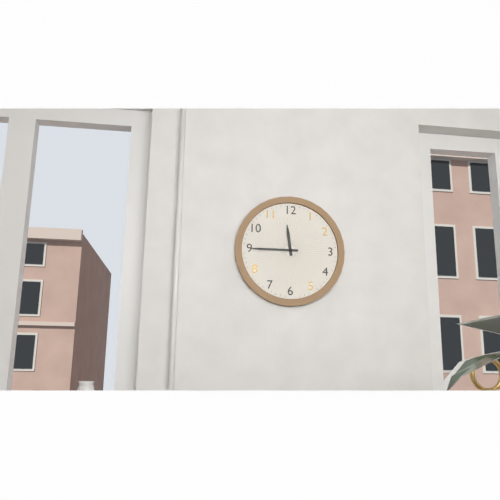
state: 11:45
